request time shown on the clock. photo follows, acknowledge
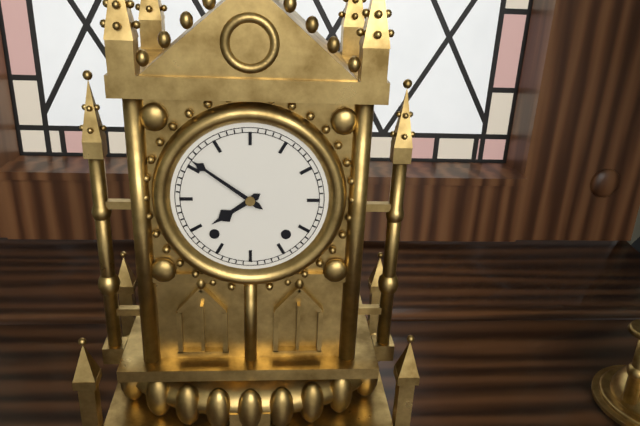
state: 7:51
